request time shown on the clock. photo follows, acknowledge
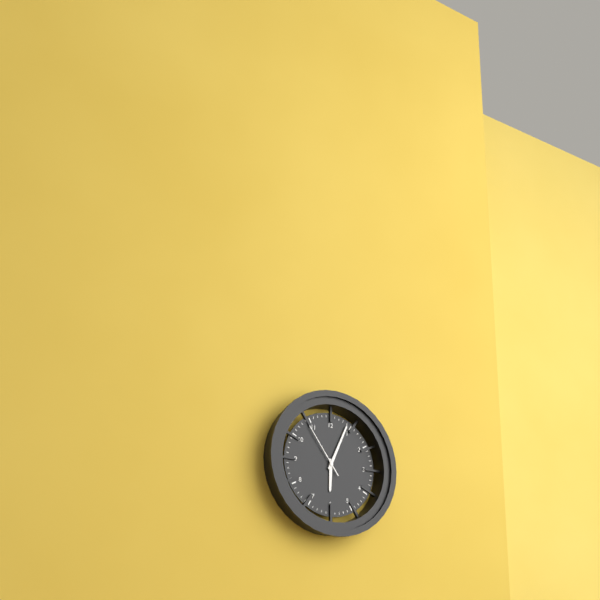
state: 6:04:54
